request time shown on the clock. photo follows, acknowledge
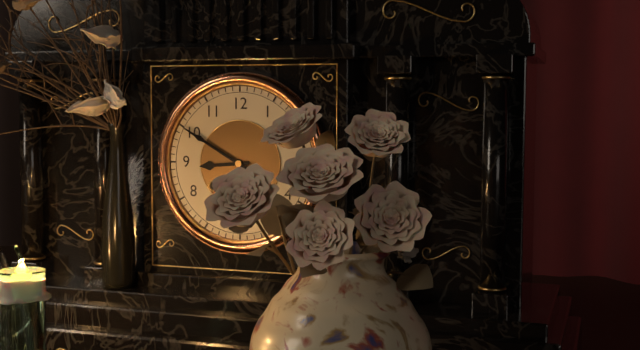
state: 8:50
